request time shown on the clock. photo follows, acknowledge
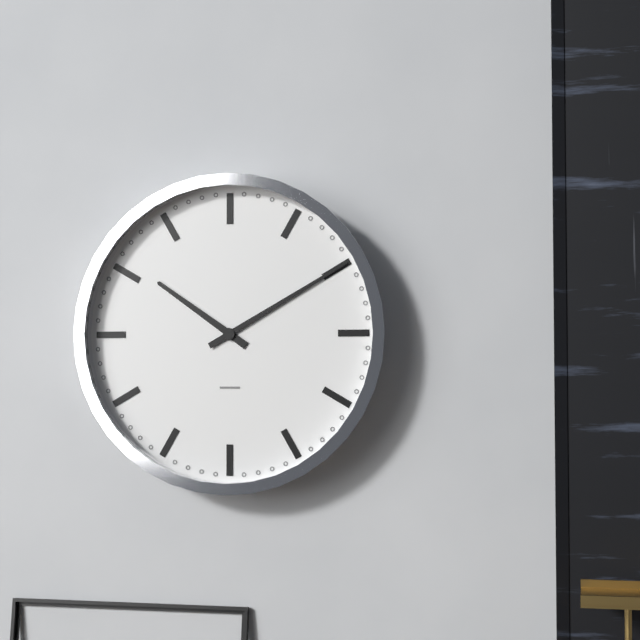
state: 10:10
